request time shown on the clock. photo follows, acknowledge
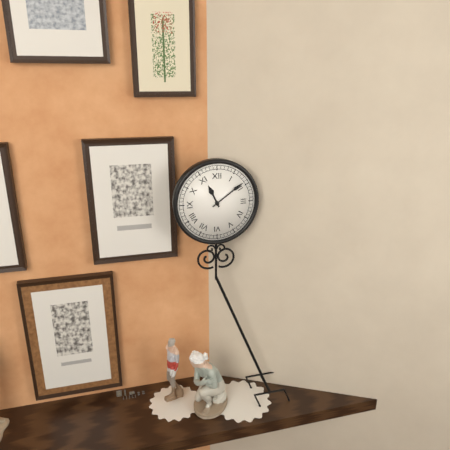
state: 11:09
